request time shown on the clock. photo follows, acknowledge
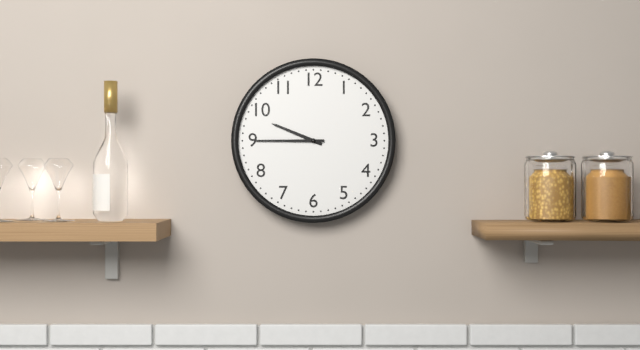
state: 9:45
